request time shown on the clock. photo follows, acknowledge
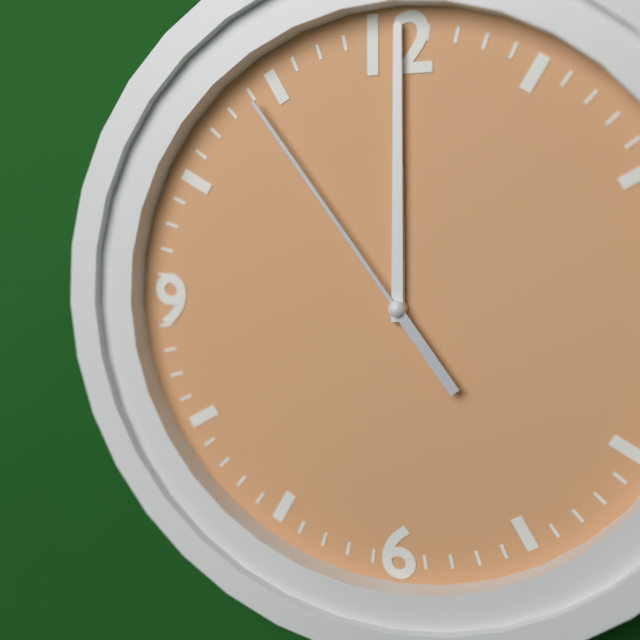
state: 12:00:54
